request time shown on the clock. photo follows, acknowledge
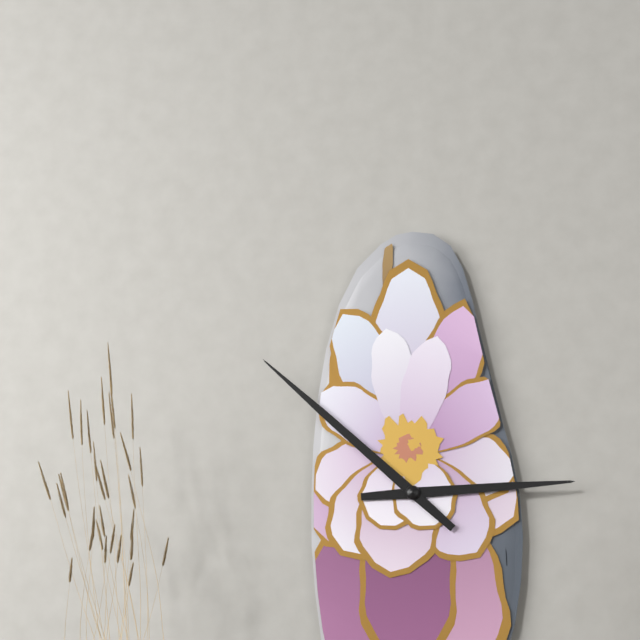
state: 2:52
